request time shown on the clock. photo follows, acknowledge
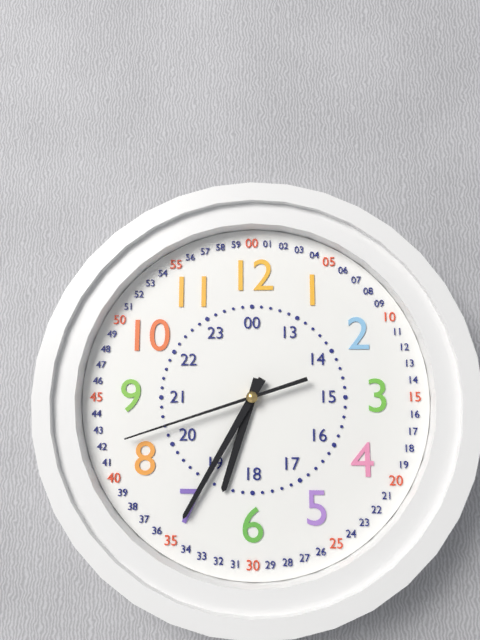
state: 6:35:42
